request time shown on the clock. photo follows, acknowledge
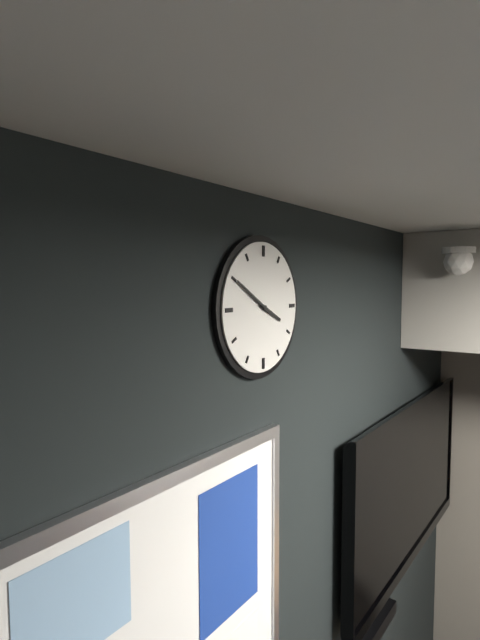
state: 3:50
